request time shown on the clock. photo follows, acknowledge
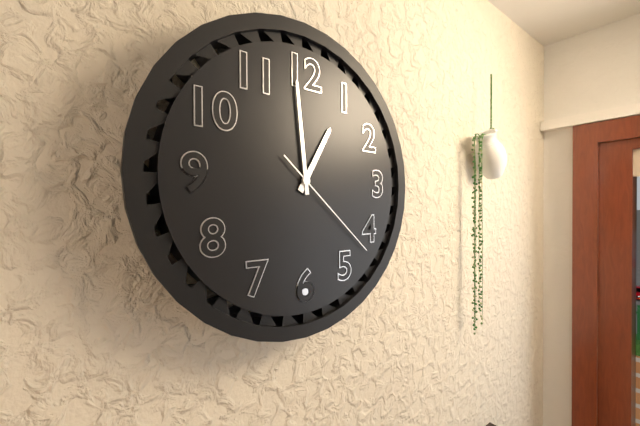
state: 12:59:22
